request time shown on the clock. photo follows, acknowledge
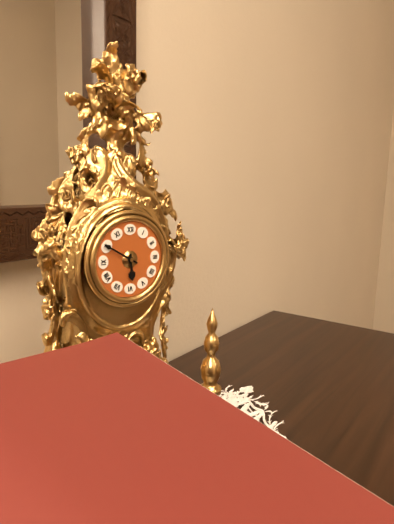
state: 5:50
